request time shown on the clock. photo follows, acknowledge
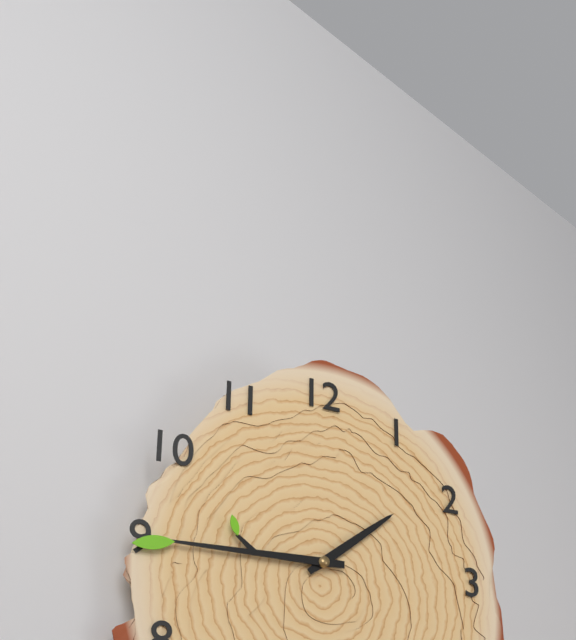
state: 1:45
